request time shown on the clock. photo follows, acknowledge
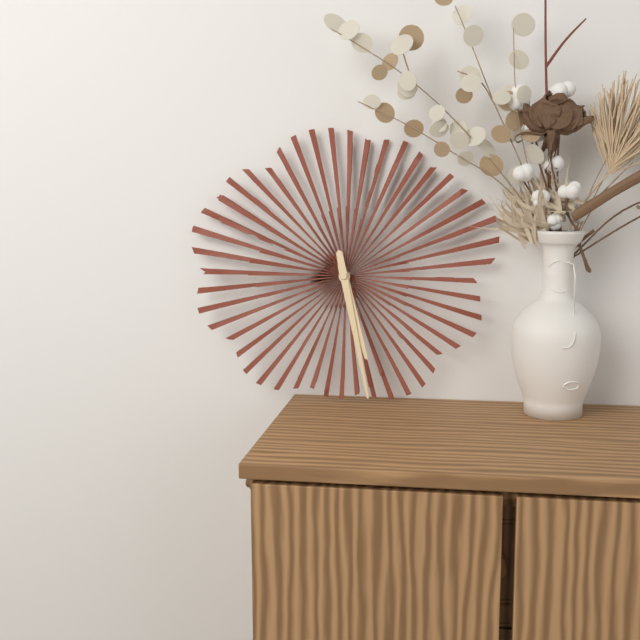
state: 5:28
